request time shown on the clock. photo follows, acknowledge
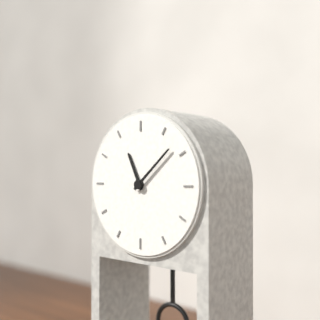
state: 11:08
